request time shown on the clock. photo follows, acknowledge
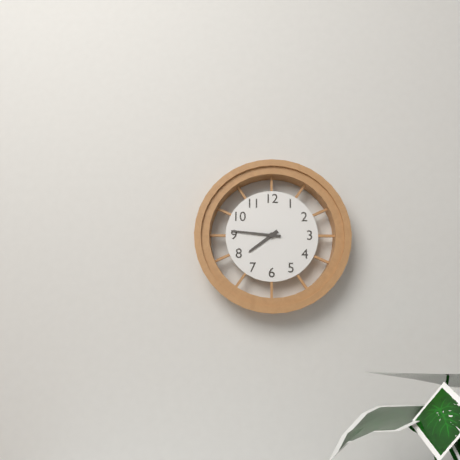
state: 7:46
